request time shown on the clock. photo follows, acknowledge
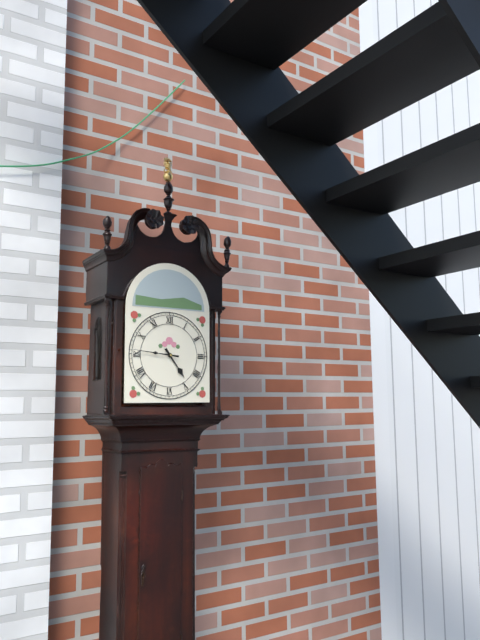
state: 4:46
